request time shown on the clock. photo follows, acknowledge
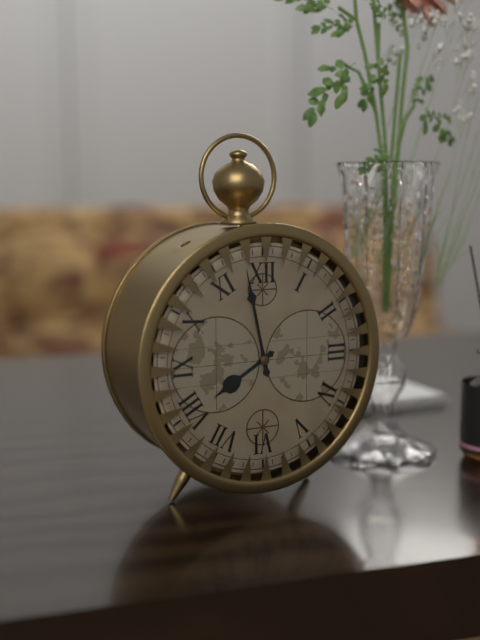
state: 7:58
